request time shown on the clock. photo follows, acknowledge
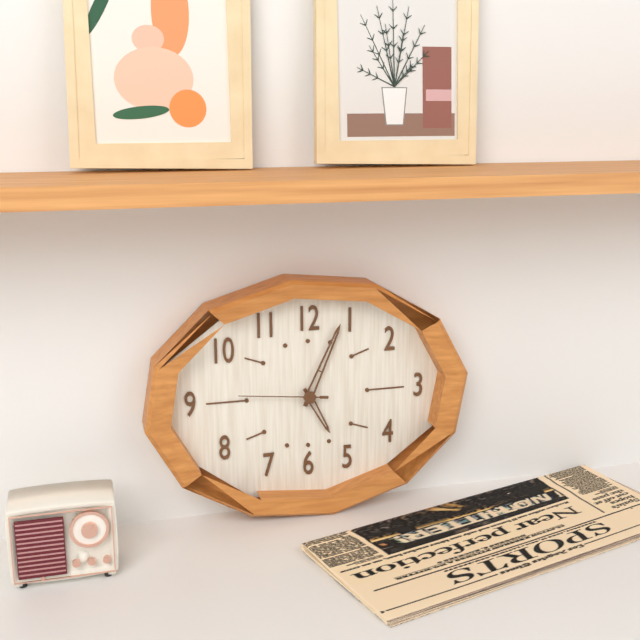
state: 5:04:46
